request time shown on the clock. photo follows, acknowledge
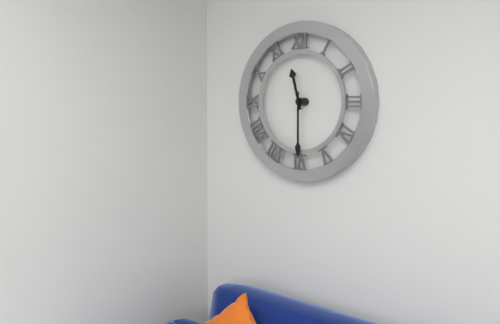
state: 11:30
